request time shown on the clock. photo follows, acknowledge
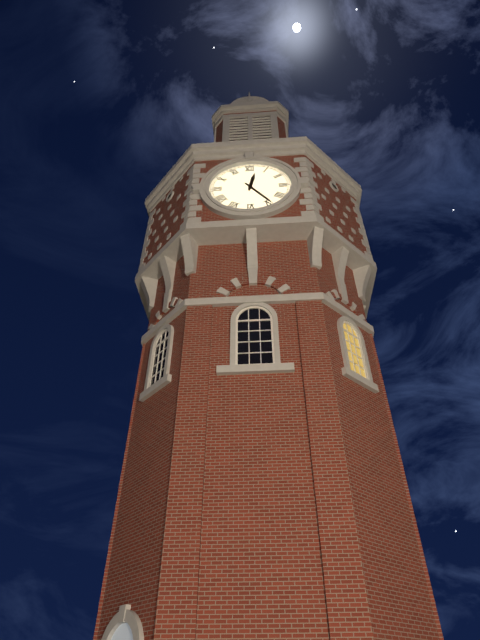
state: 12:24
